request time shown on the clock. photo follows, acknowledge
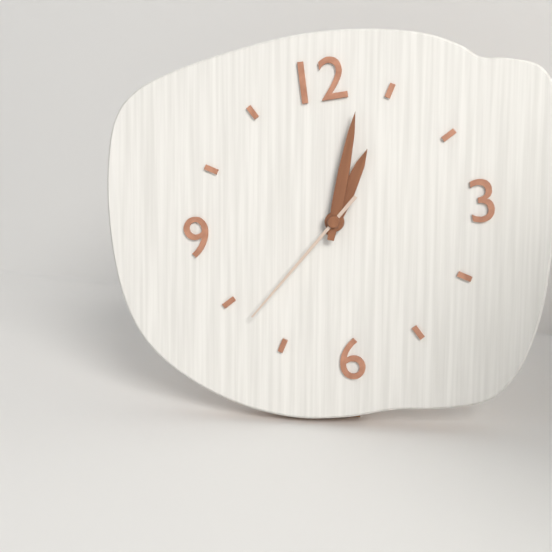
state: 1:03:38
